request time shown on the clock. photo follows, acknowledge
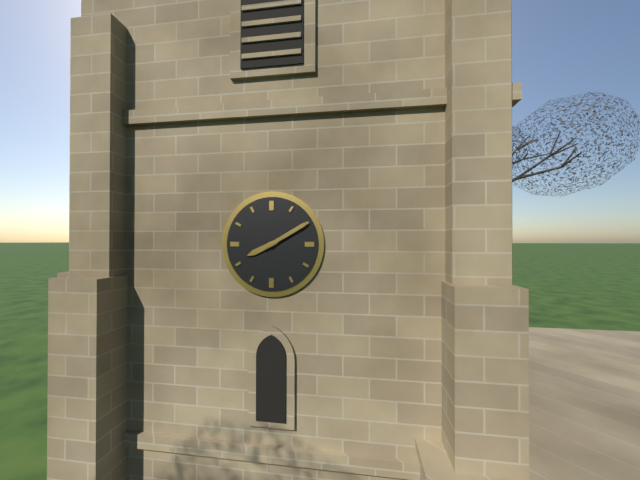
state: 8:10
